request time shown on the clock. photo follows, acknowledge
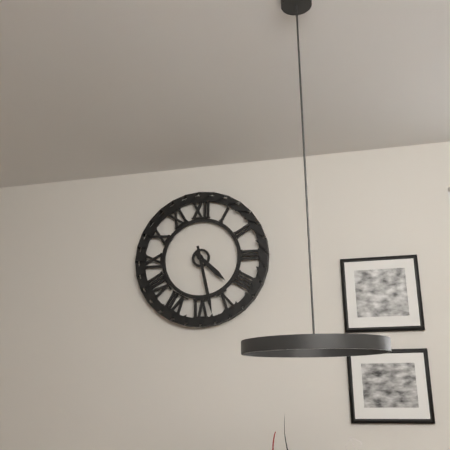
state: 4:28
